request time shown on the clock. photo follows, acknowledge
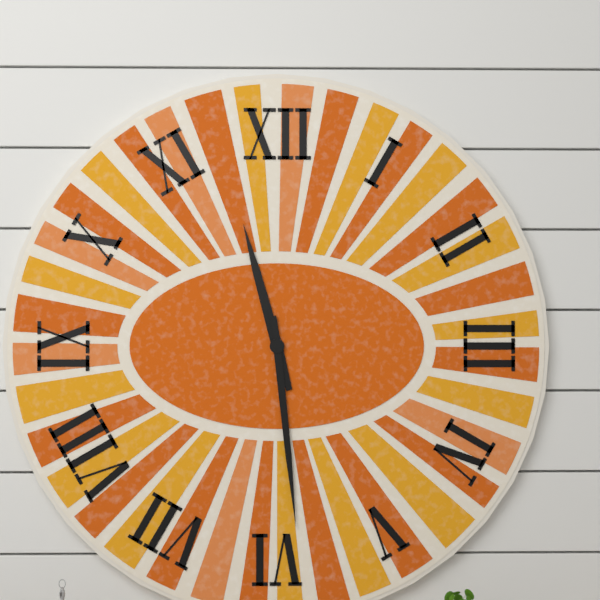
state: 11:29
